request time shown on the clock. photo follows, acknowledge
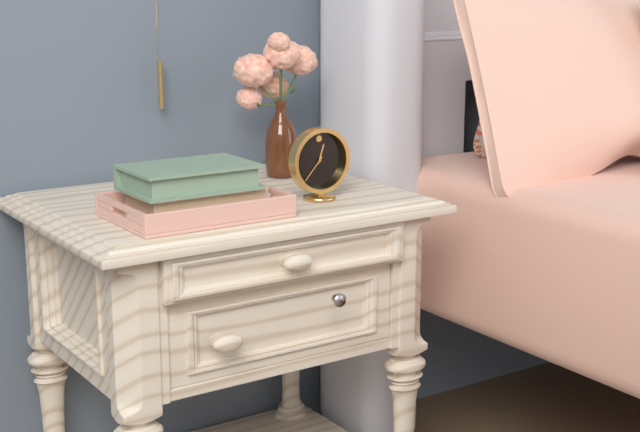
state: 12:37
